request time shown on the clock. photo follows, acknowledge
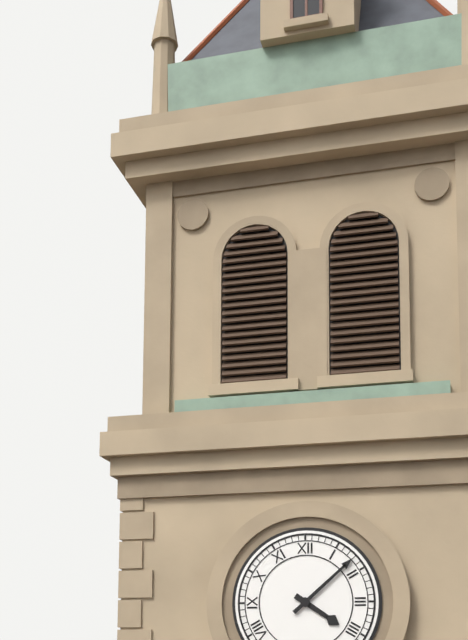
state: 4:08
